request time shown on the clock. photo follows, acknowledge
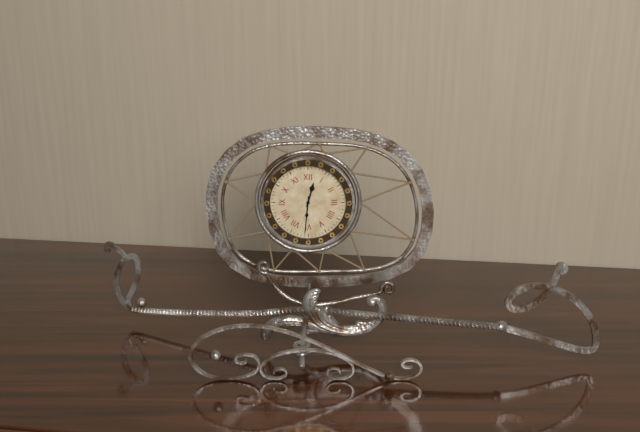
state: 12:31
